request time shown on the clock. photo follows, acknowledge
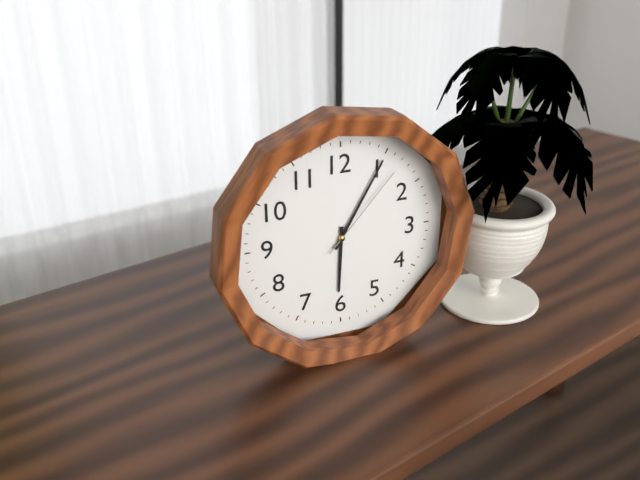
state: 6:05:07
